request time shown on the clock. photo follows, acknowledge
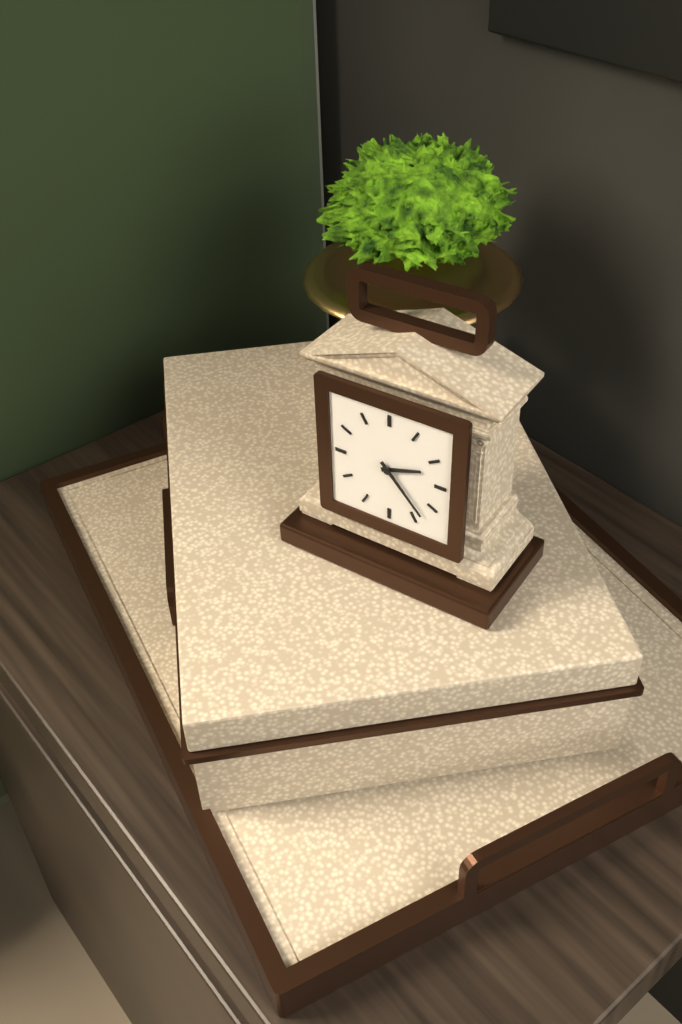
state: 2:23
